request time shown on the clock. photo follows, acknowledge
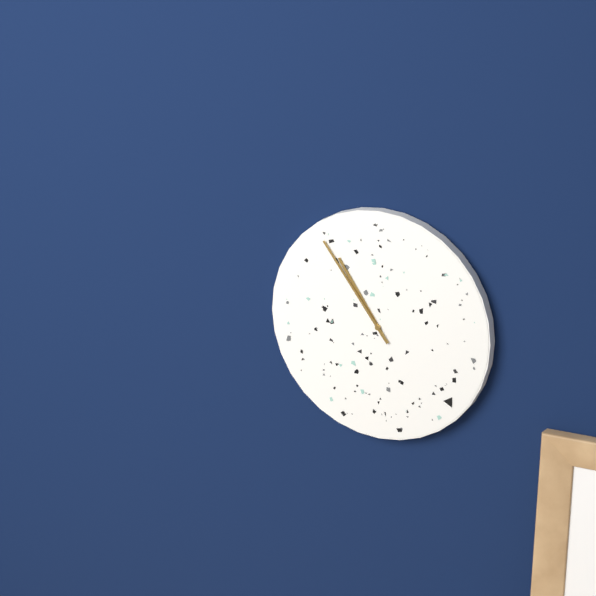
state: 10:54
